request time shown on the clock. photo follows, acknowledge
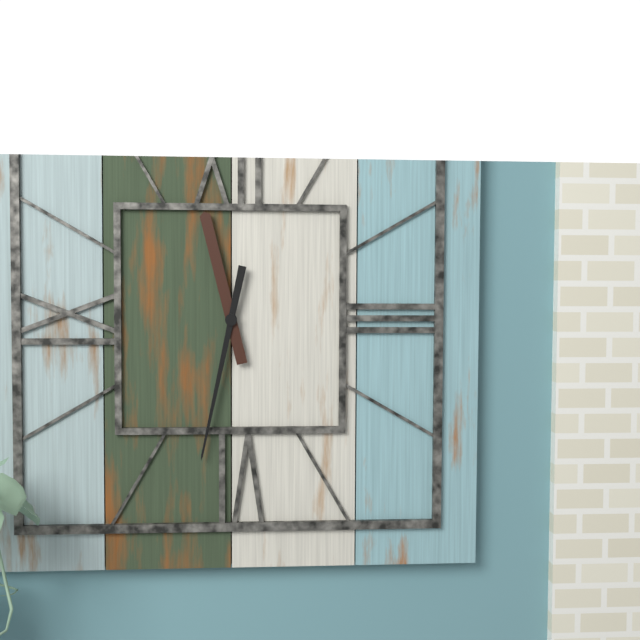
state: 11:32
